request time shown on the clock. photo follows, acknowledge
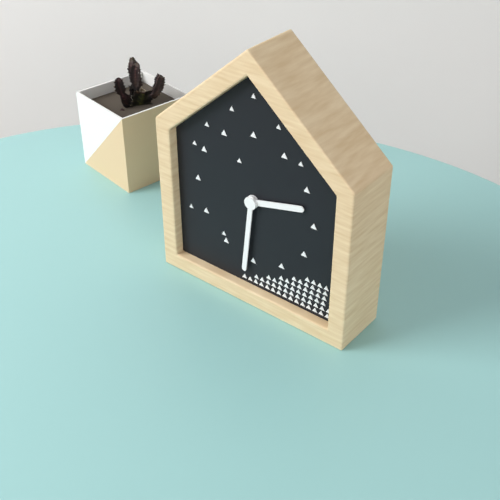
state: 2:31
